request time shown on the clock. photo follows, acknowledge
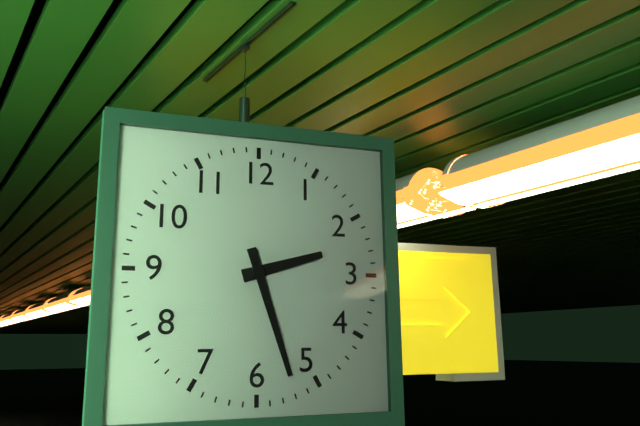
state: 2:27
